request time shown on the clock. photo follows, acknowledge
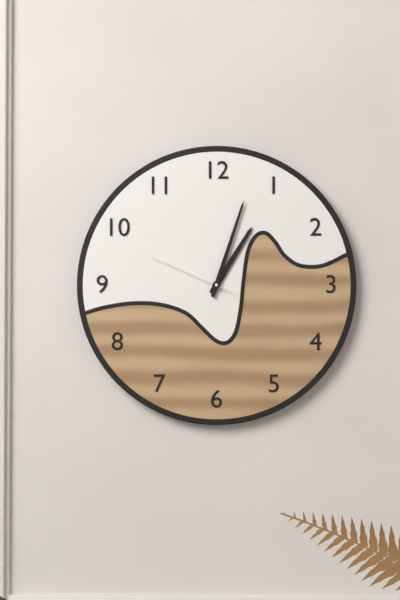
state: 1:03:49
